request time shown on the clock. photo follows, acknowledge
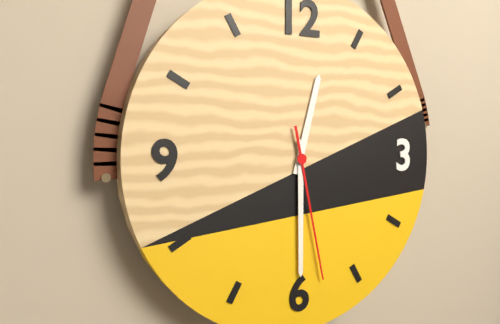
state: 12:30:28
